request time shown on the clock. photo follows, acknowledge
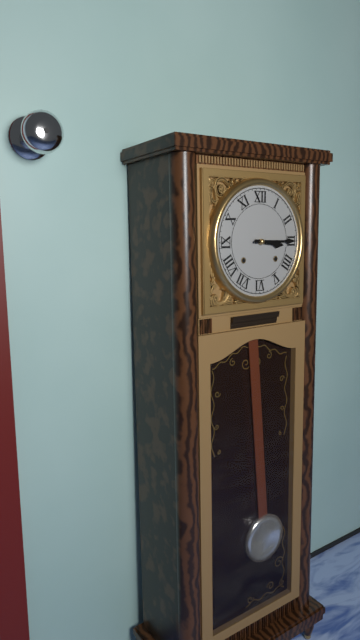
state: 3:15
